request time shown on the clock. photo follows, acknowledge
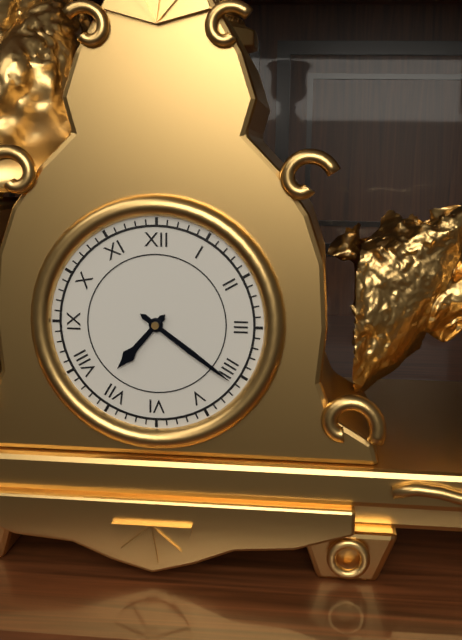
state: 7:21
